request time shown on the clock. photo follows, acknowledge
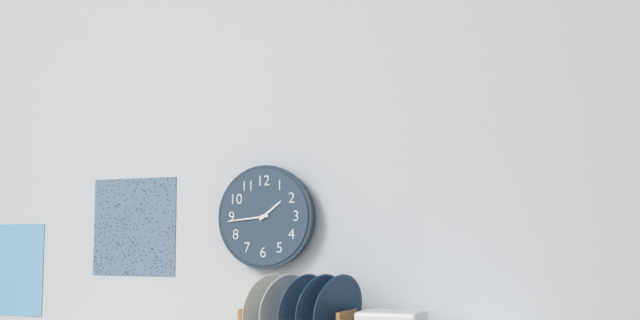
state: 1:44
